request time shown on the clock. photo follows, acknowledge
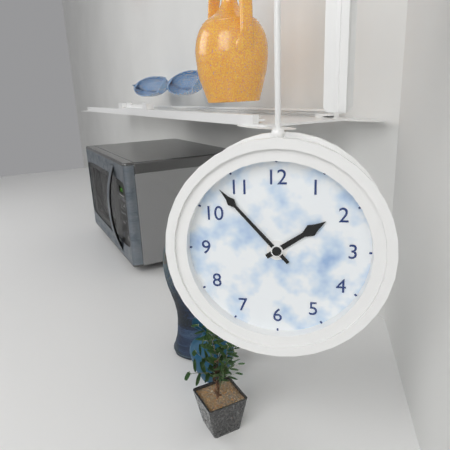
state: 1:53
